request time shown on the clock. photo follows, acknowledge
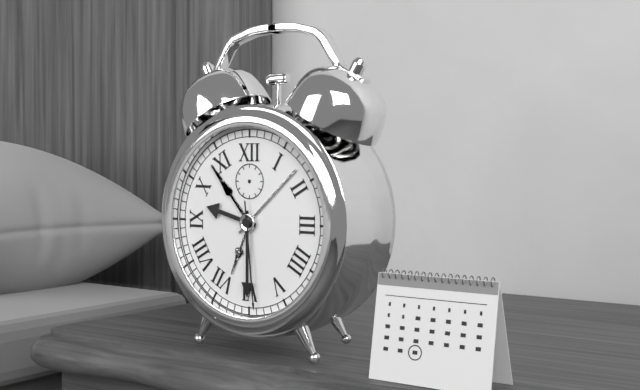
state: 9:30:29
